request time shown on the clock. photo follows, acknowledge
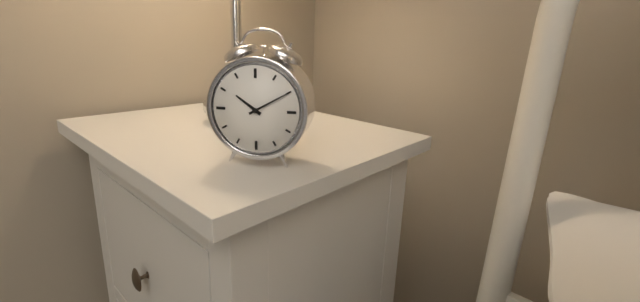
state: 10:10
